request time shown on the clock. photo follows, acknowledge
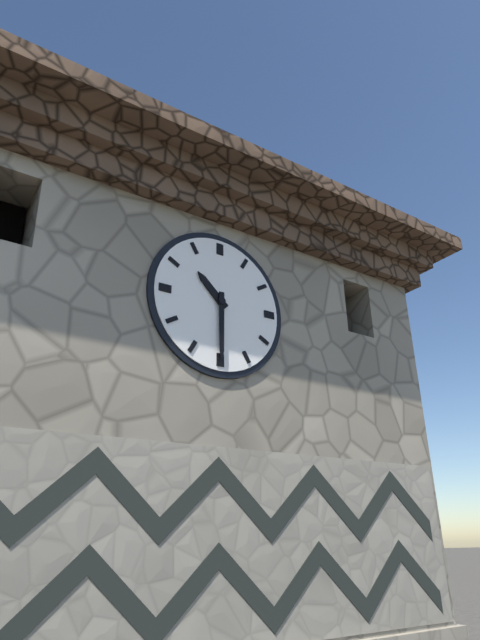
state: 10:30
